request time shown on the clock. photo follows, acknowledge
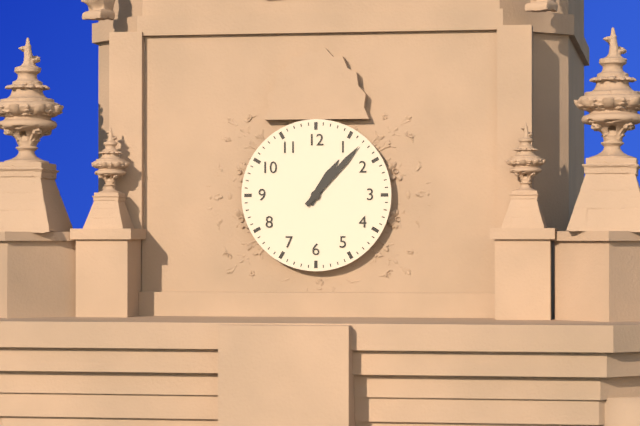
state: 1:07
